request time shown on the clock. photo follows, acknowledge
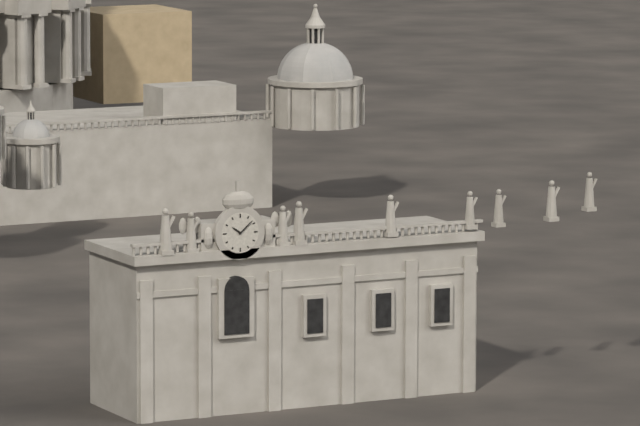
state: 10:08
